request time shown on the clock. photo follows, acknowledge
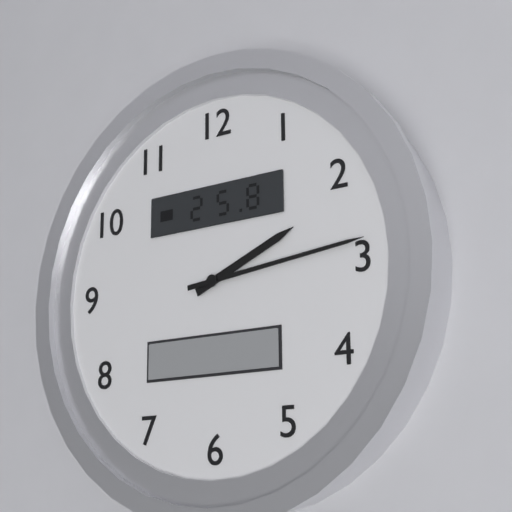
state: 2:14
